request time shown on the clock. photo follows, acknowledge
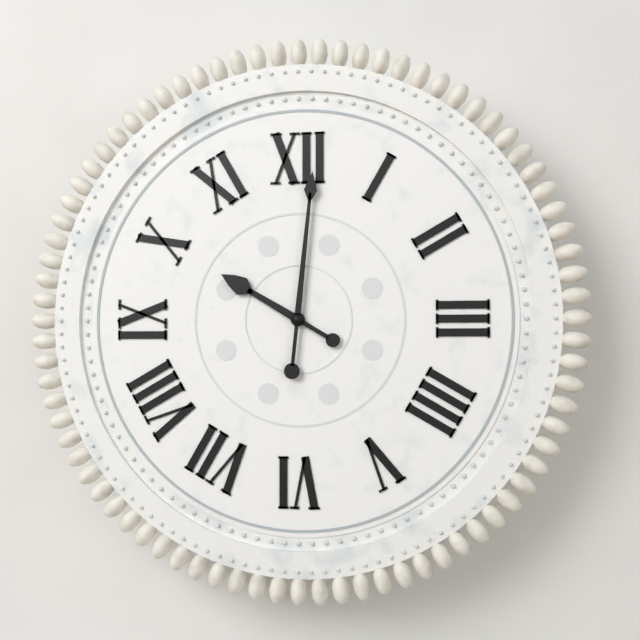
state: 10:01
